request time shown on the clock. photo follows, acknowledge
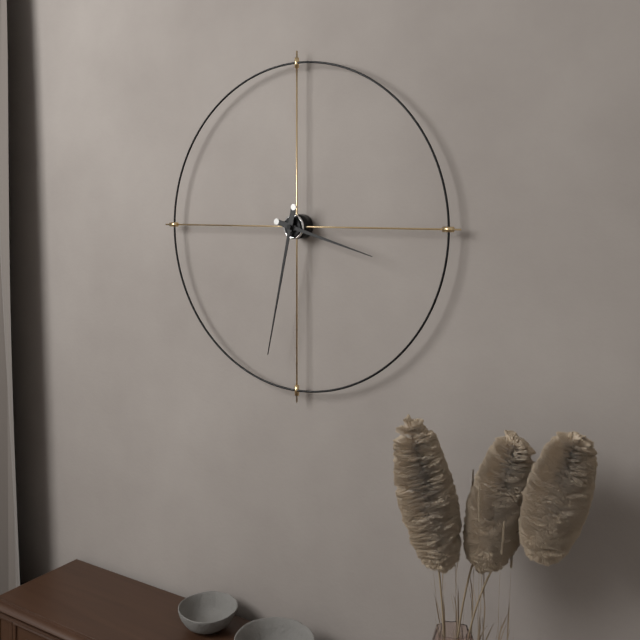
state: 3:32
